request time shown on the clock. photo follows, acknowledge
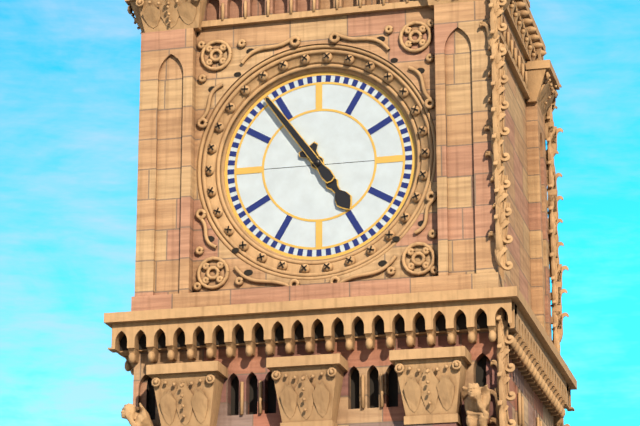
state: 4:54
